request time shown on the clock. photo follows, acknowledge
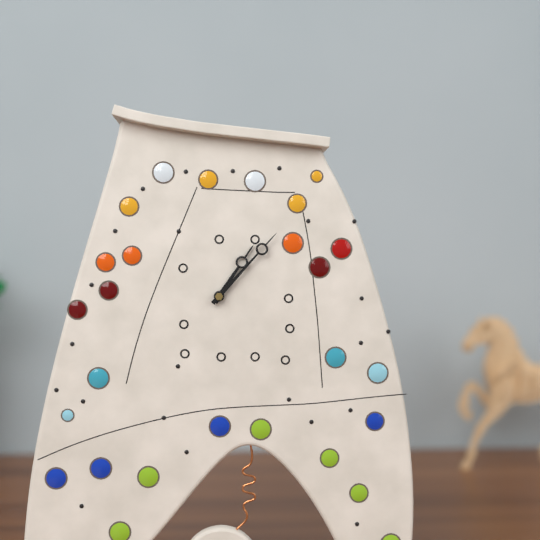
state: 1:07
